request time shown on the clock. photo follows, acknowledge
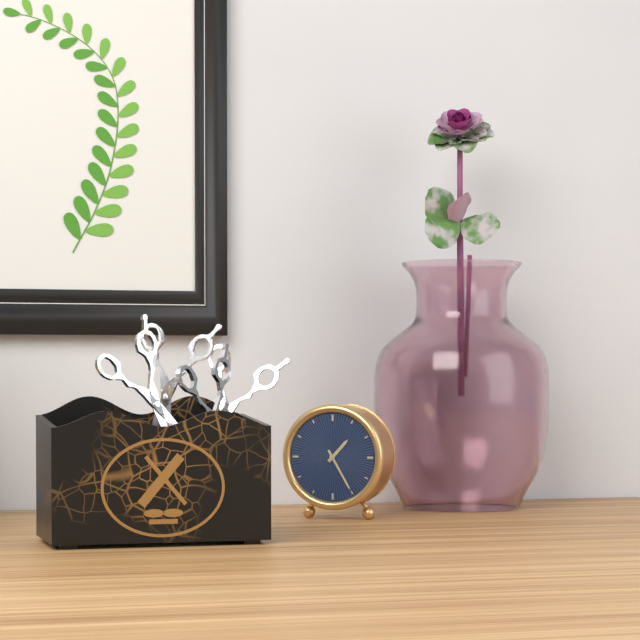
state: 1:25
